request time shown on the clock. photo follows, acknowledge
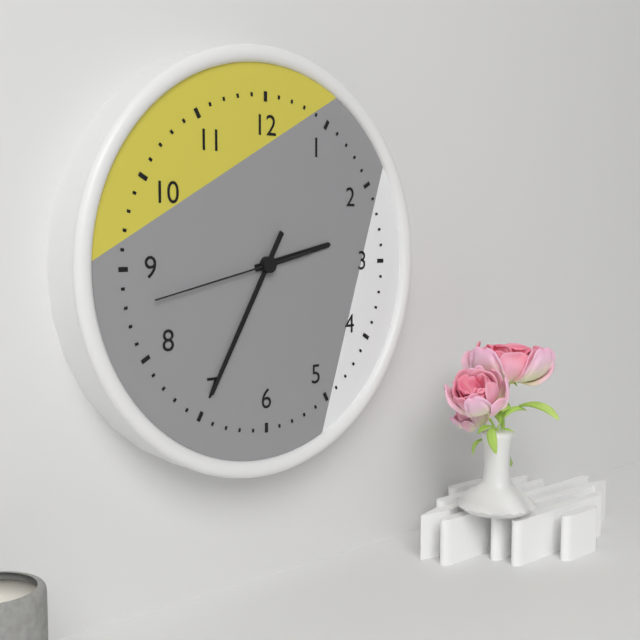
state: 2:35:43
